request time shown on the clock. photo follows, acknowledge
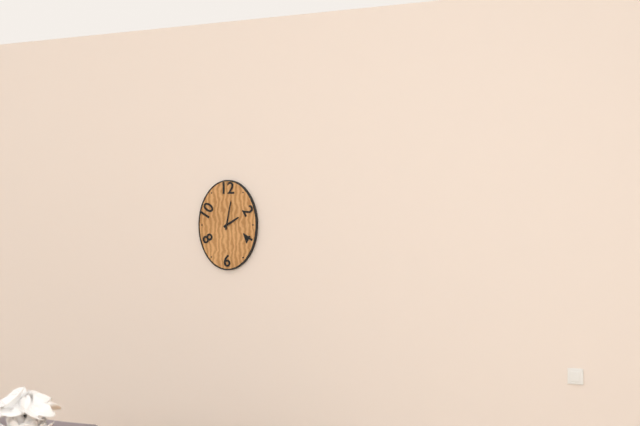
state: 2:02
